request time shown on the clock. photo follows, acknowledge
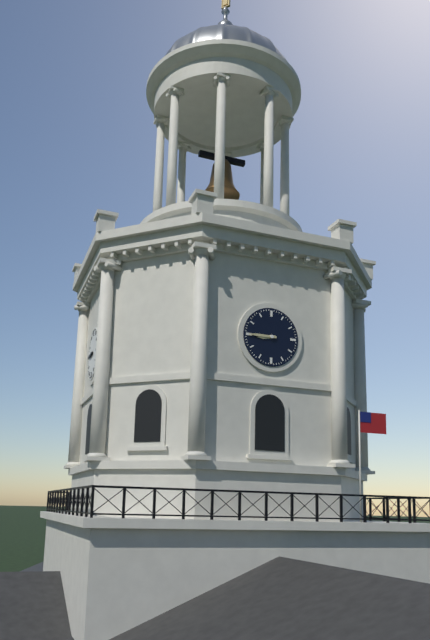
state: 8:45
